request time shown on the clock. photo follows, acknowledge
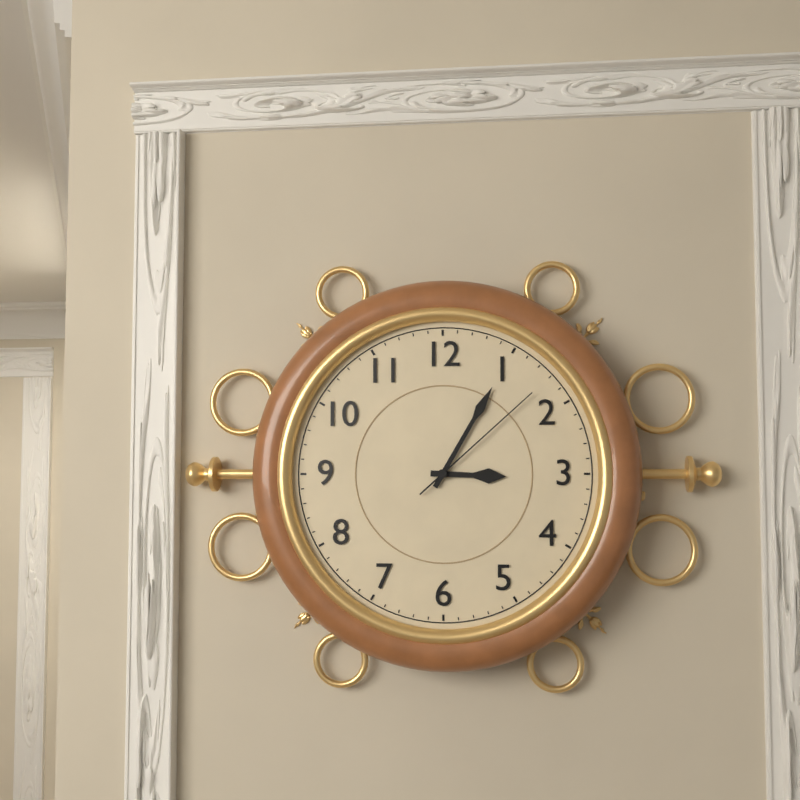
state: 3:05:08
